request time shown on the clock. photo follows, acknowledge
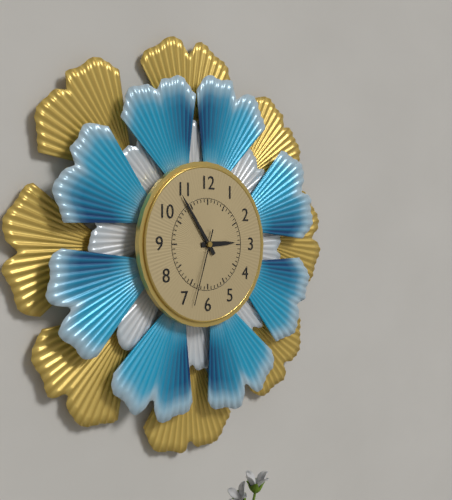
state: 2:54:33
